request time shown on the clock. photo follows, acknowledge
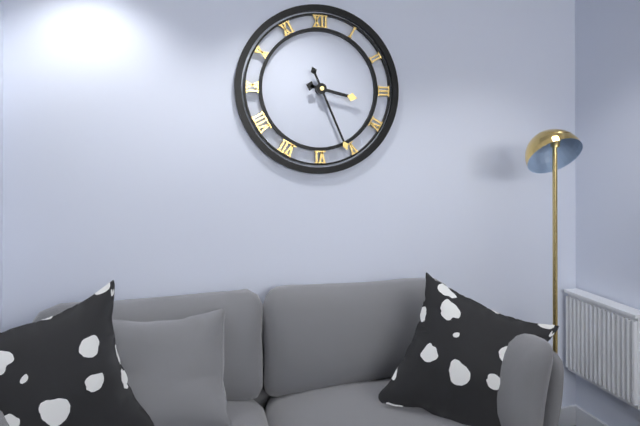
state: 3:26
